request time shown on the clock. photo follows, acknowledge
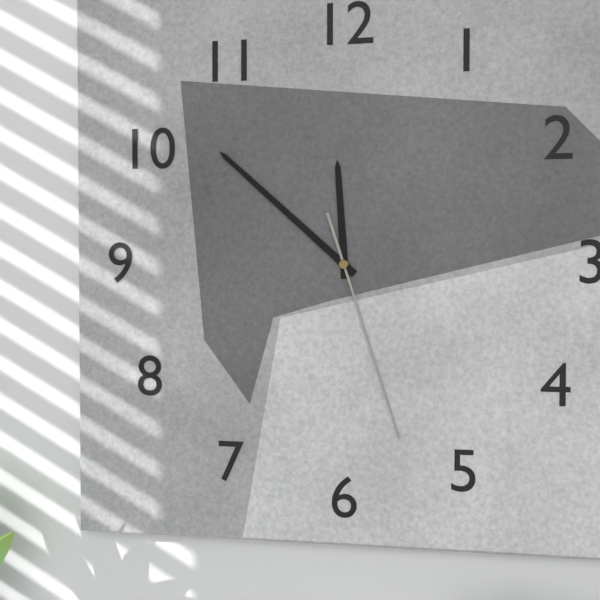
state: 11:52:27
